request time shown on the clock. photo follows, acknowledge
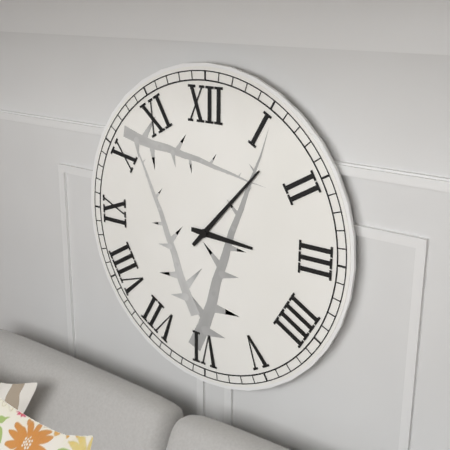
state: 3:07
